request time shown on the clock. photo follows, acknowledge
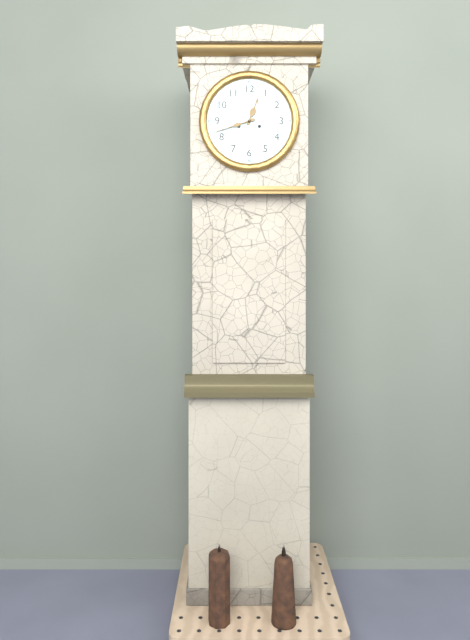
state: 12:42
